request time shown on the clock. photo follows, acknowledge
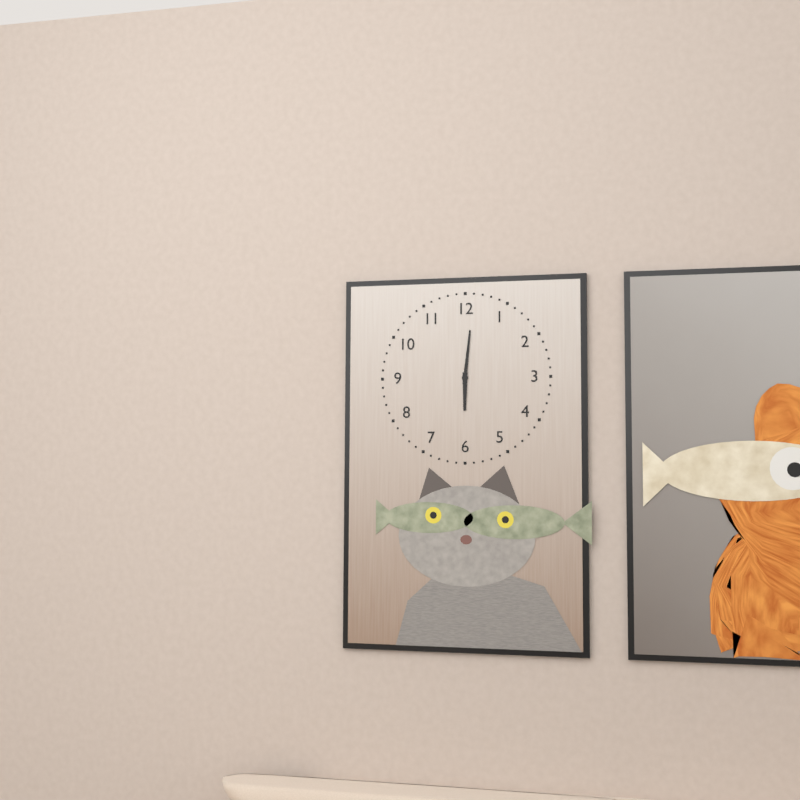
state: 6:01
